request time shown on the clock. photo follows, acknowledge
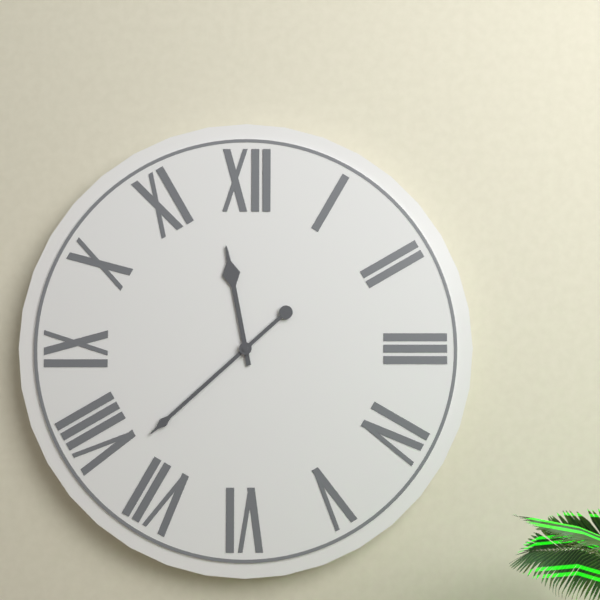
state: 11:38
